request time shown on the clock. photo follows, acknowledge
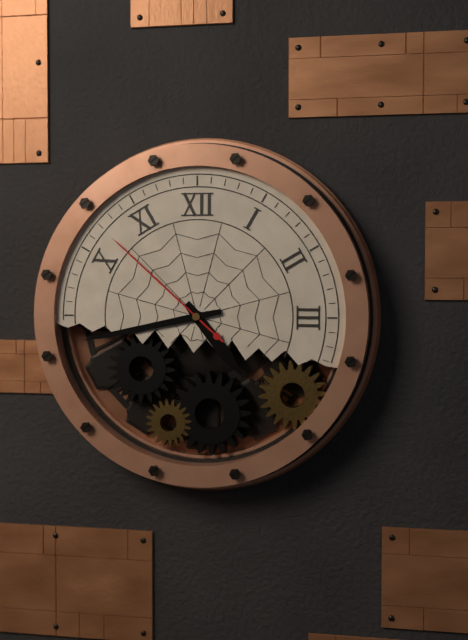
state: 4:43:52
